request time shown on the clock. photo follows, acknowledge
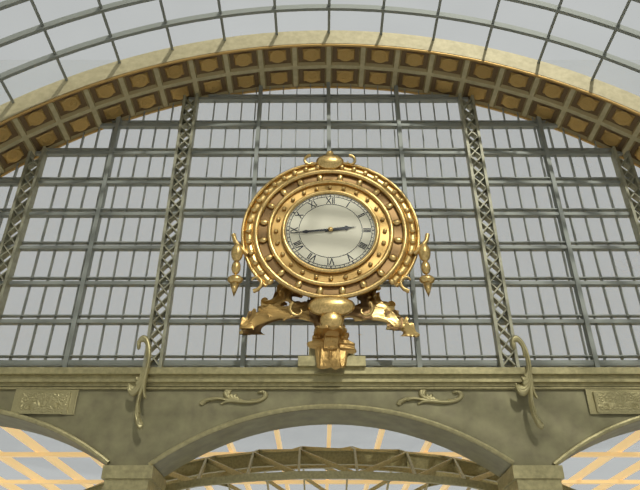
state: 2:44
